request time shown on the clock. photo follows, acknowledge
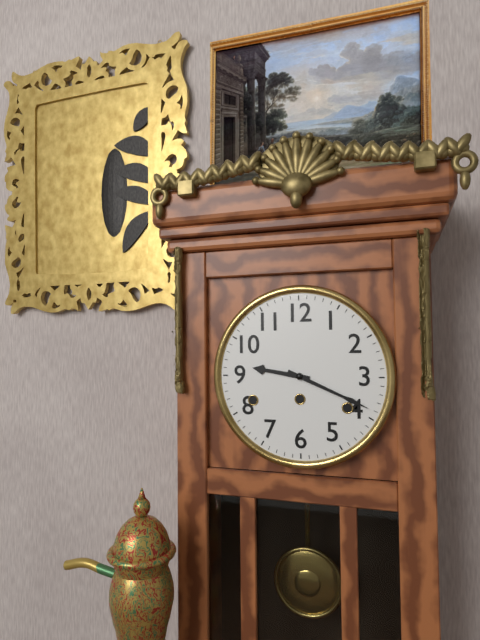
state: 9:19
